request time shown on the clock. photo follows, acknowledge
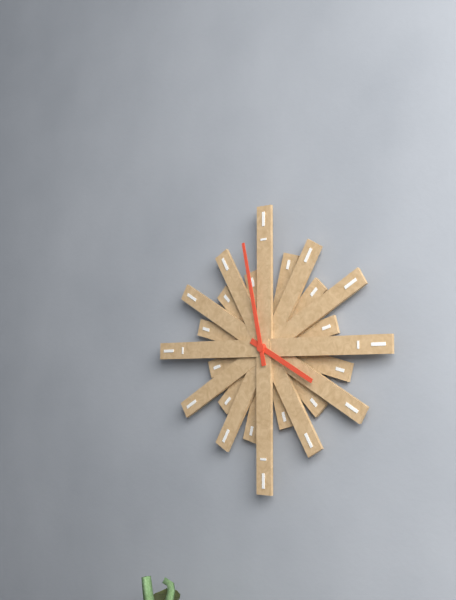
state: 3:58
